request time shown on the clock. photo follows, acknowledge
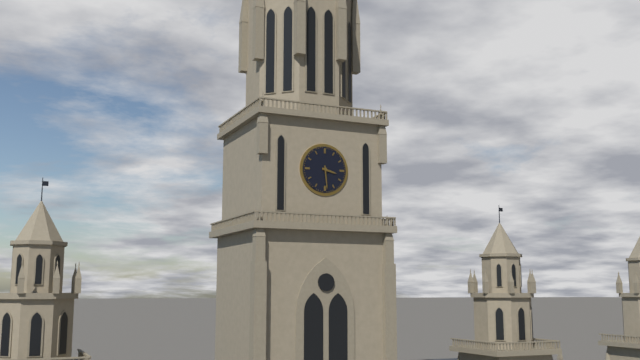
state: 3:29
